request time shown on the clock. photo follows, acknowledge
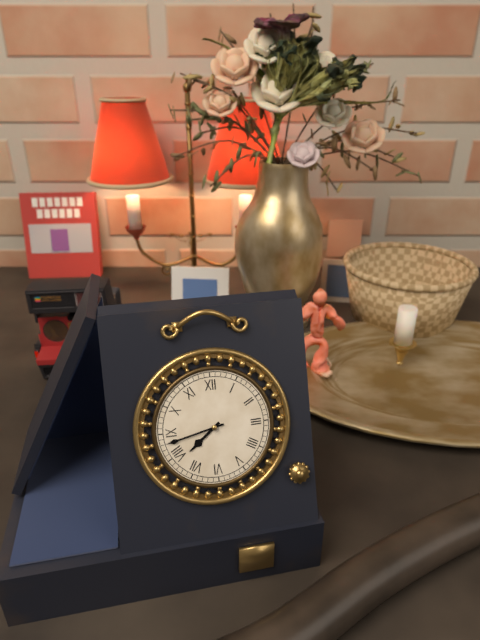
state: 7:43
